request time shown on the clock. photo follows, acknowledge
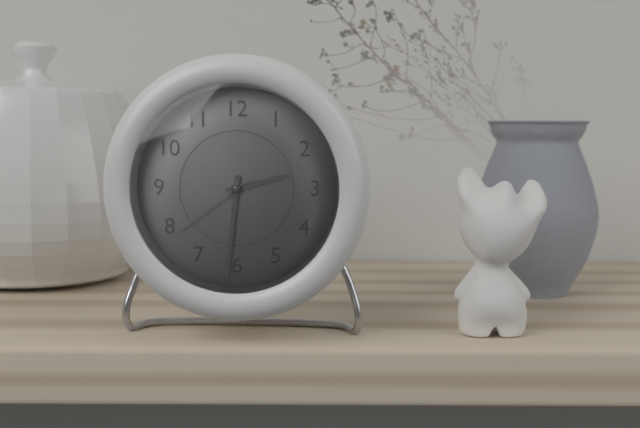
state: 2:31:39
